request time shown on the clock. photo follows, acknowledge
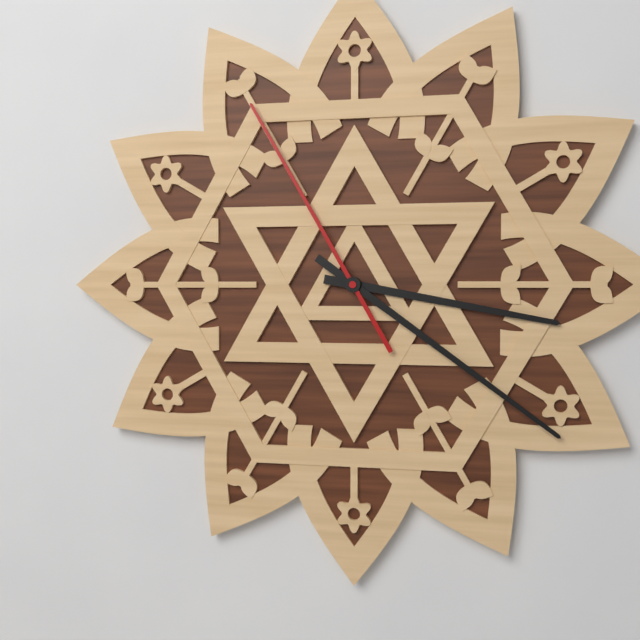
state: 3:21:55
